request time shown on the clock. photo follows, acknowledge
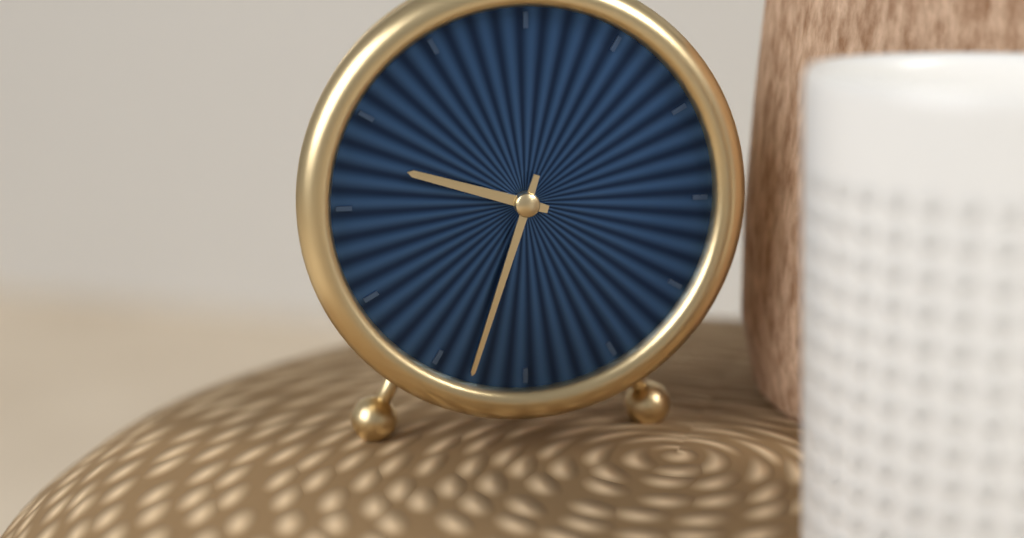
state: 9:33
